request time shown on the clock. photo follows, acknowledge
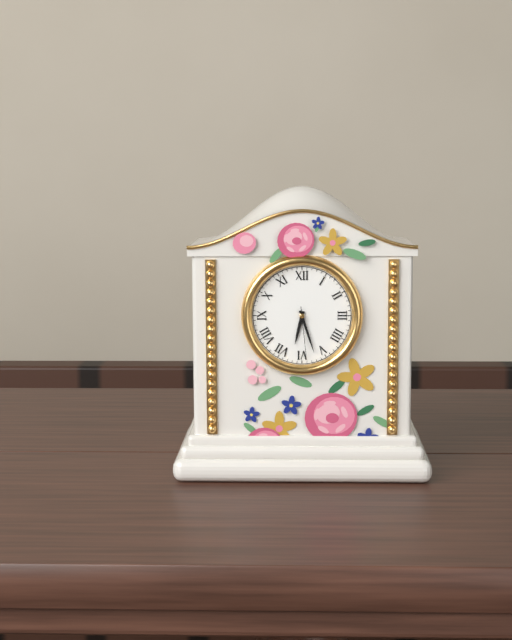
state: 6:27:29
